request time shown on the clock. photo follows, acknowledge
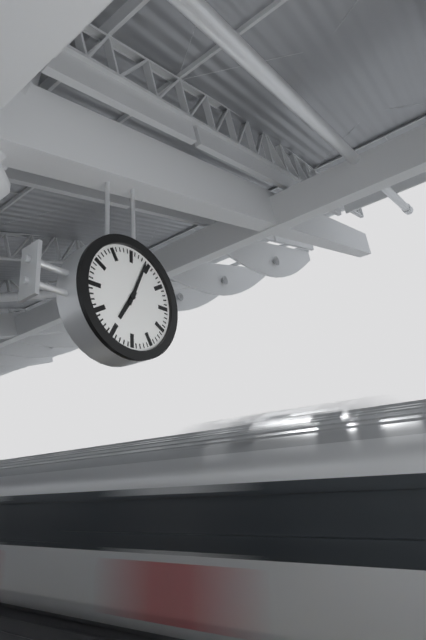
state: 7:04
